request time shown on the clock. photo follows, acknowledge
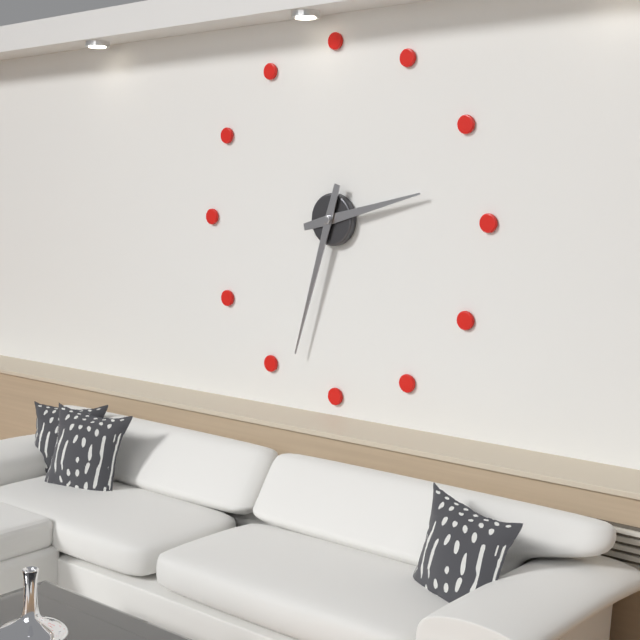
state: 2:33
